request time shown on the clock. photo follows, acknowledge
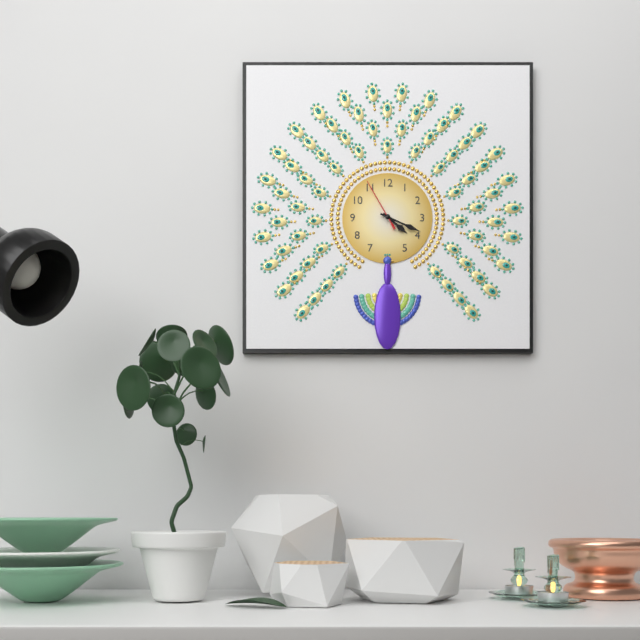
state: 4:19:55
